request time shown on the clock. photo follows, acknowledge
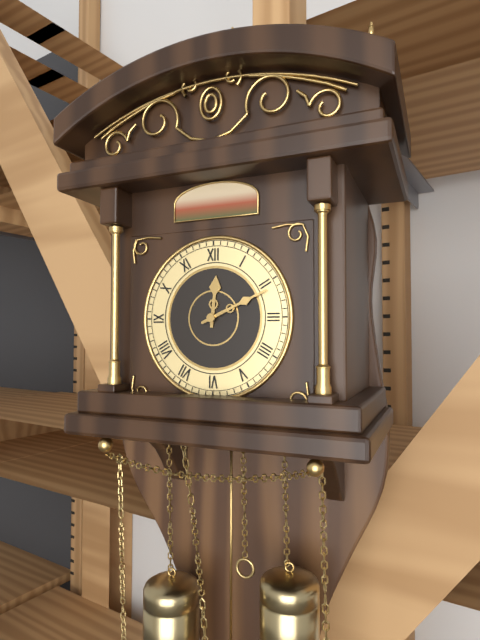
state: 12:11
